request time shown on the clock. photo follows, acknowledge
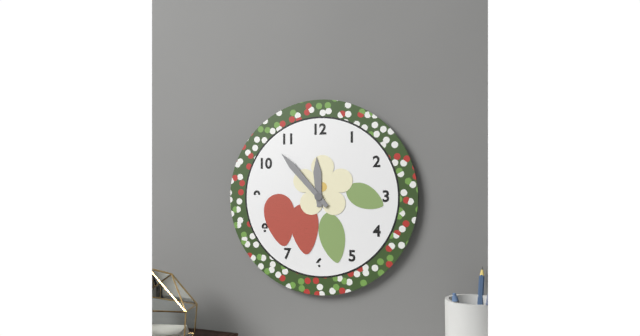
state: 11:53
